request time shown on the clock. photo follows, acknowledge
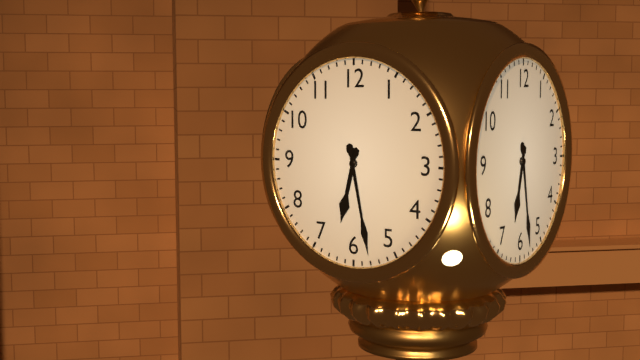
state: 6:28
